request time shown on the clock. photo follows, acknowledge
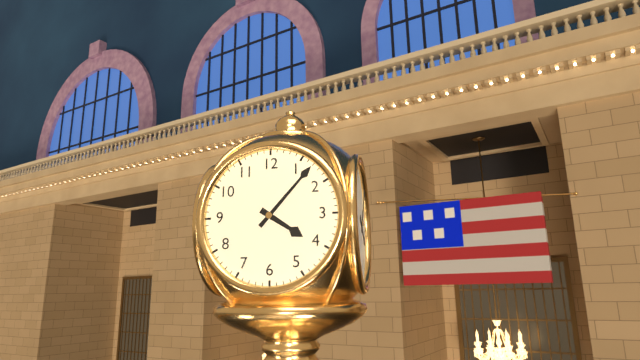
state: 4:07
